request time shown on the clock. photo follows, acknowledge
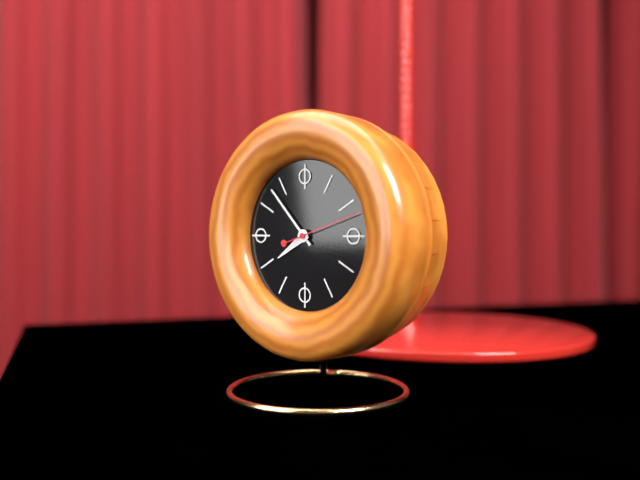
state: 7:53:12
